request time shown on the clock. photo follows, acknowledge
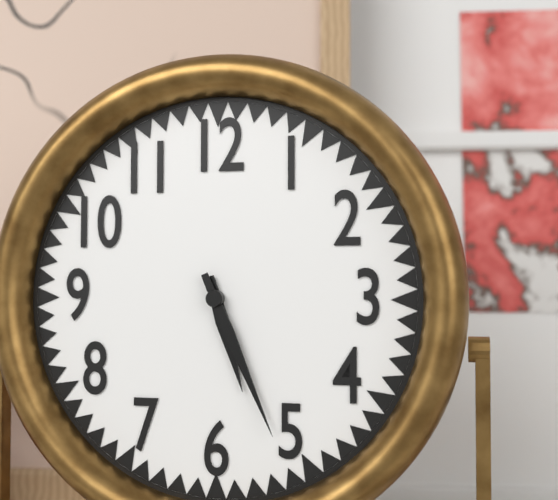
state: 5:26
